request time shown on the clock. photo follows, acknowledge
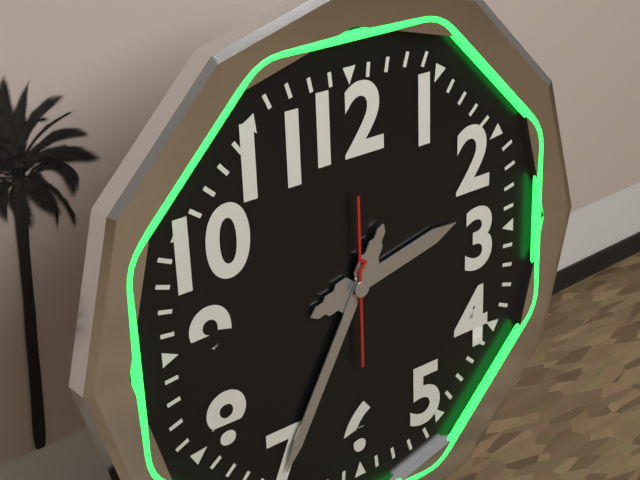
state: 2:35:00
